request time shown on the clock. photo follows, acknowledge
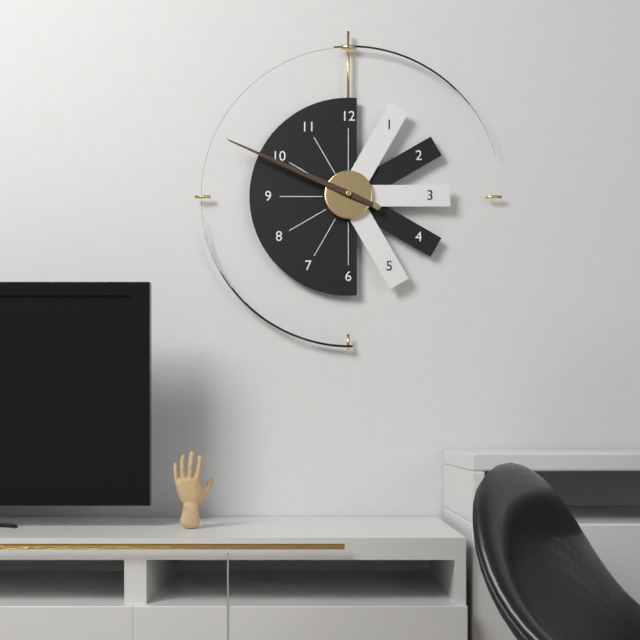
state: 9:49
